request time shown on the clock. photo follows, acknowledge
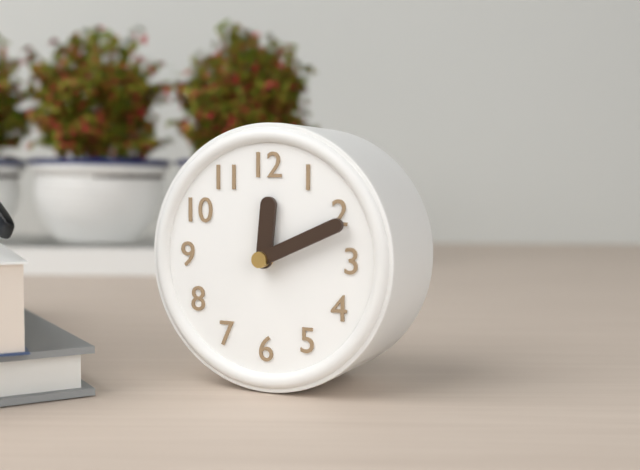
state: 12:11
